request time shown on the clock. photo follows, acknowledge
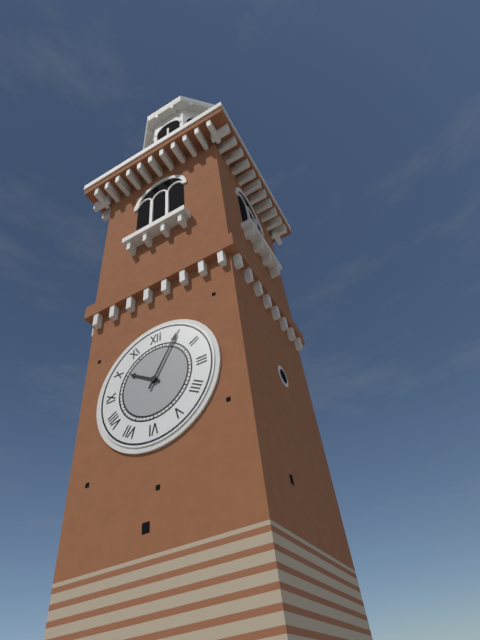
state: 10:05
